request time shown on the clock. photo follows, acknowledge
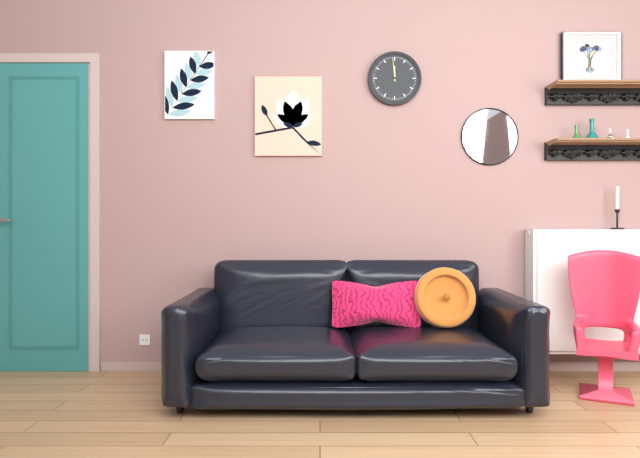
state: 11:59
